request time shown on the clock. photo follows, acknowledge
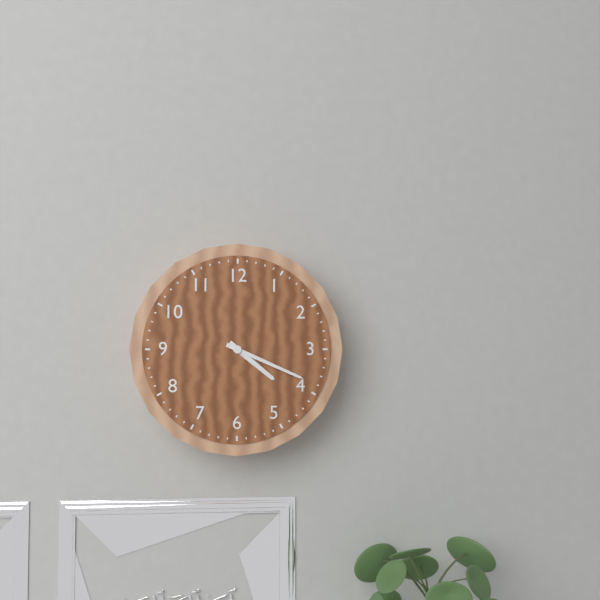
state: 4:19
